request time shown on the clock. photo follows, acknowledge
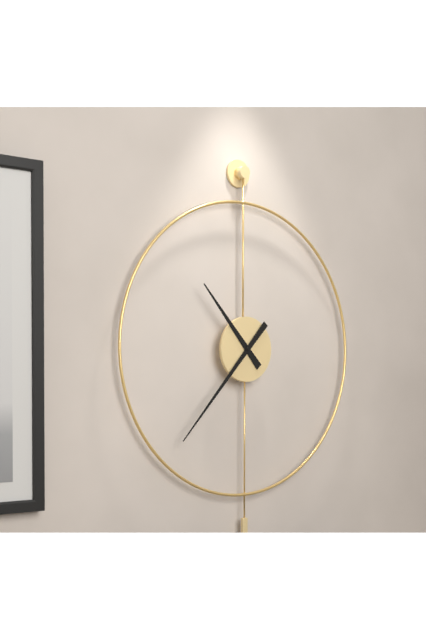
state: 10:37
